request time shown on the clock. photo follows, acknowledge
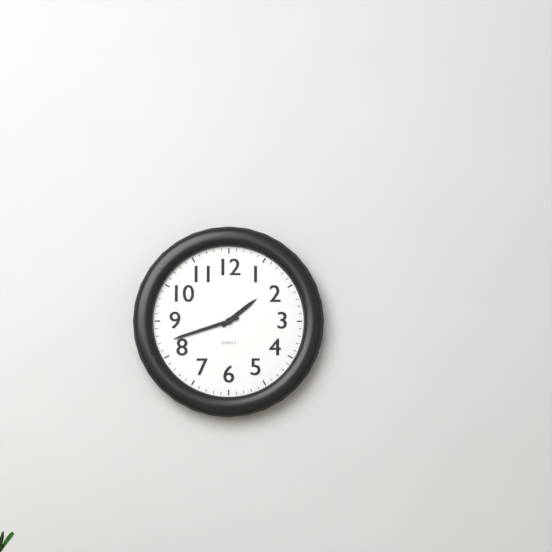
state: 1:42
